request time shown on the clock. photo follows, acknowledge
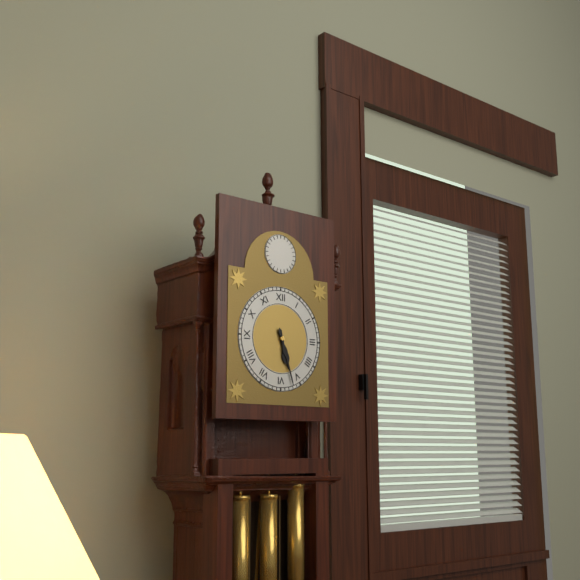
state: 5:27
